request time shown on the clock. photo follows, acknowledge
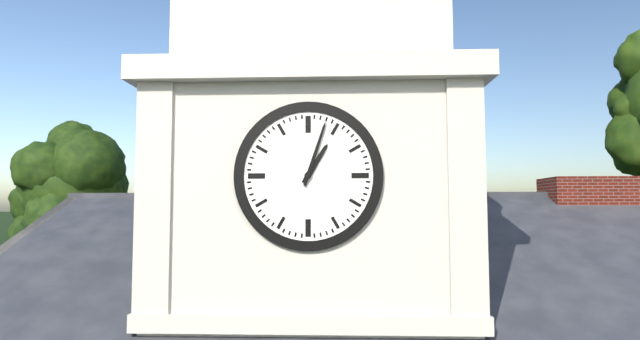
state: 1:03
